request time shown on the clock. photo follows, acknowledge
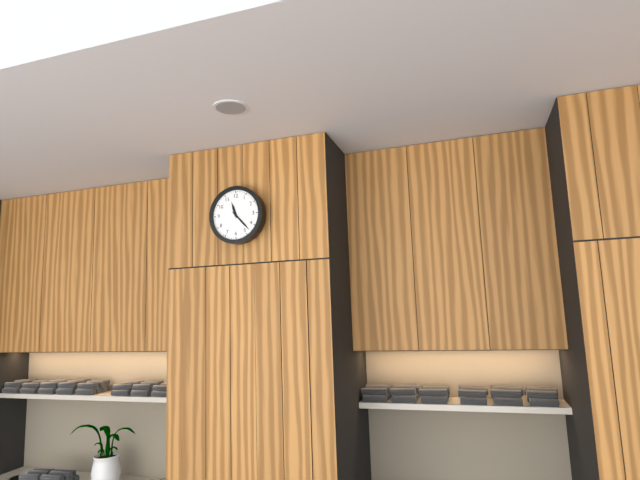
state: 11:23
